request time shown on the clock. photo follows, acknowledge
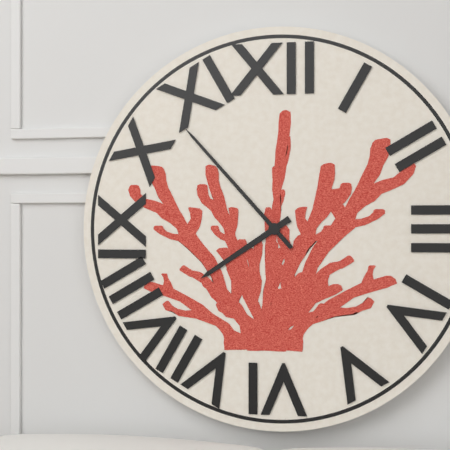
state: 7:53
